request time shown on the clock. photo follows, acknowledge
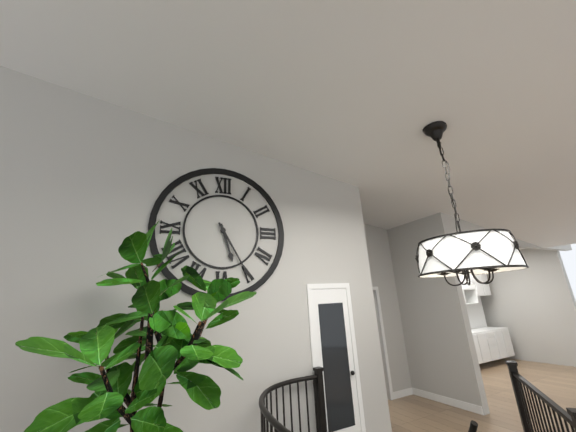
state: 5:25
